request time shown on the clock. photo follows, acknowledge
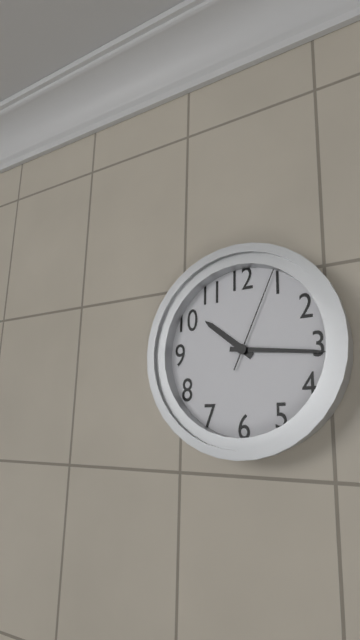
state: 10:16:04
